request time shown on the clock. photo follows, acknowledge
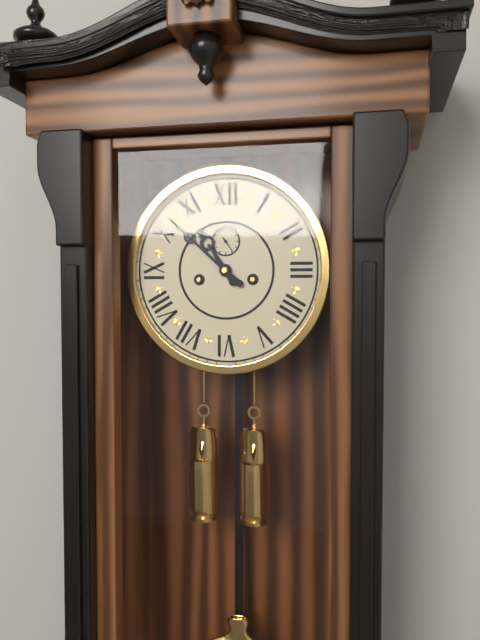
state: 10:52
